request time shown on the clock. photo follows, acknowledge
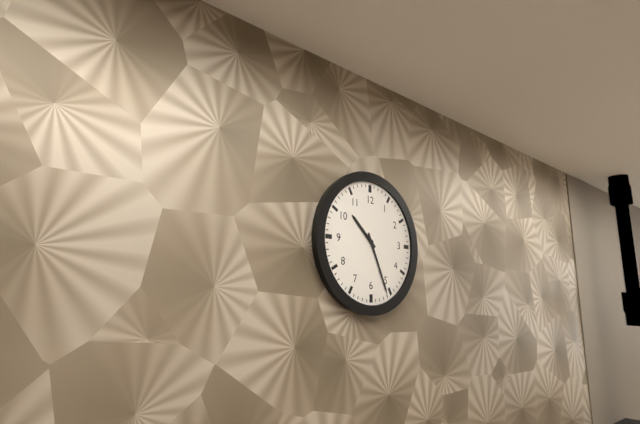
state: 10:26
